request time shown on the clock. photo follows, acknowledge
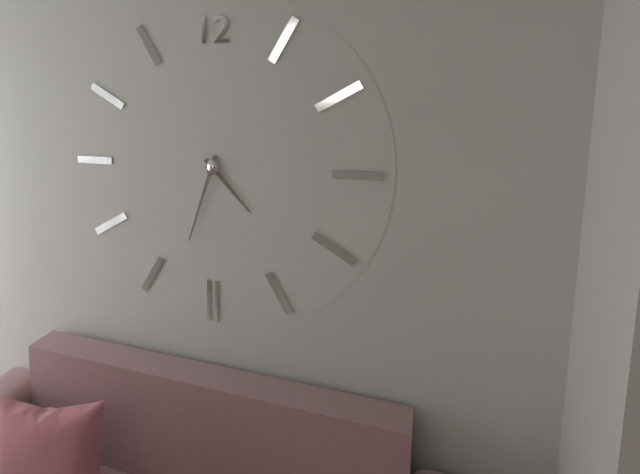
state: 4:33
